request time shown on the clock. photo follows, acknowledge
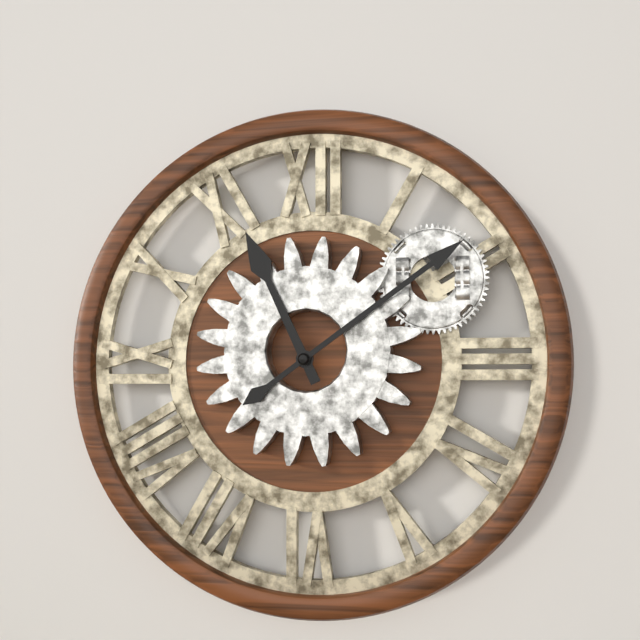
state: 11:09
